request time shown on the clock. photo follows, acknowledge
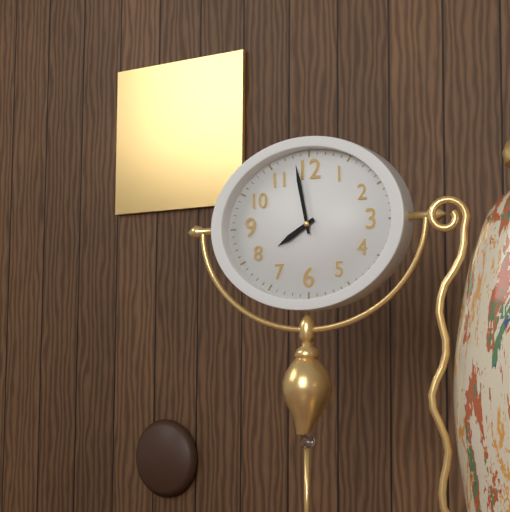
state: 7:58
